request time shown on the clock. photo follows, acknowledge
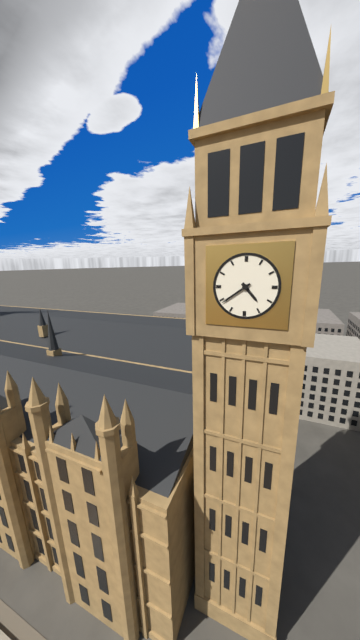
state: 4:39
